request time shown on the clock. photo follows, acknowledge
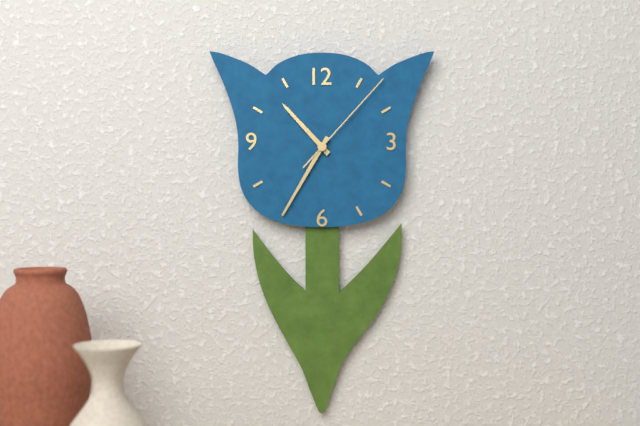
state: 10:35:07
